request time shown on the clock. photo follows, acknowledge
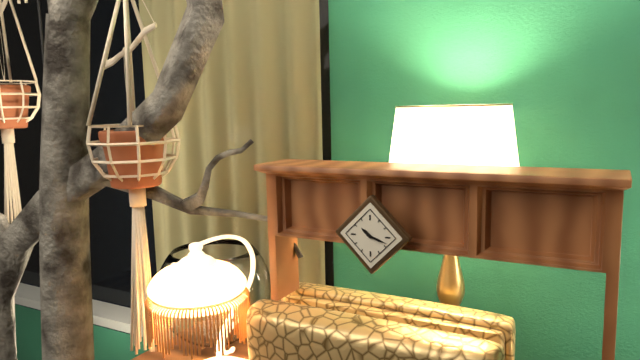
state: 10:18
